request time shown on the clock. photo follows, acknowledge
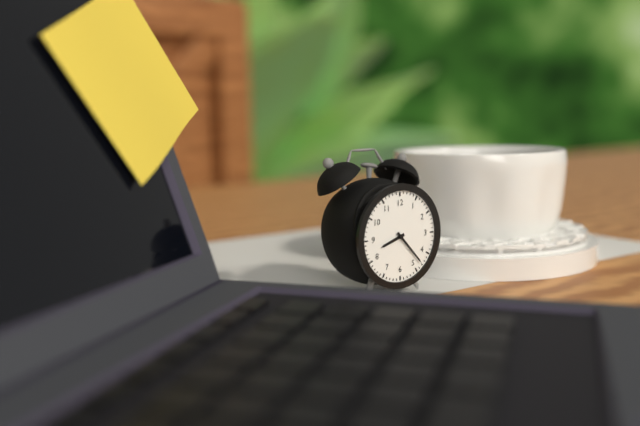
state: 8:23
